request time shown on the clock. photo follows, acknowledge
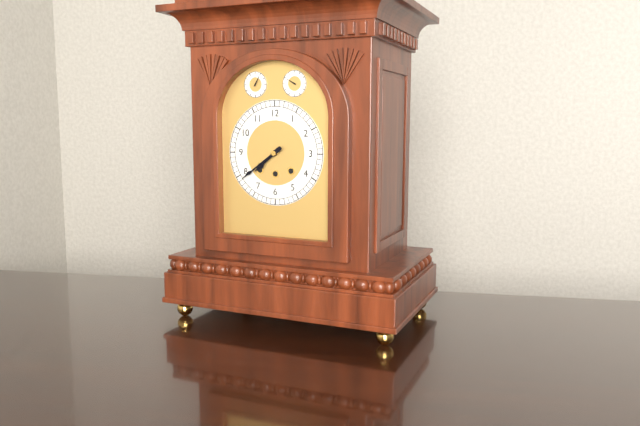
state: 7:39
